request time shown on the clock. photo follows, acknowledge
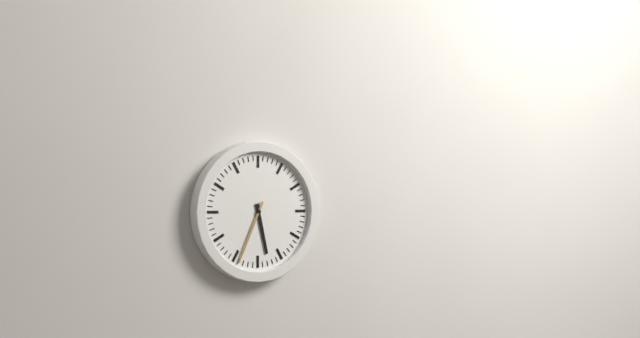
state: 5:34
